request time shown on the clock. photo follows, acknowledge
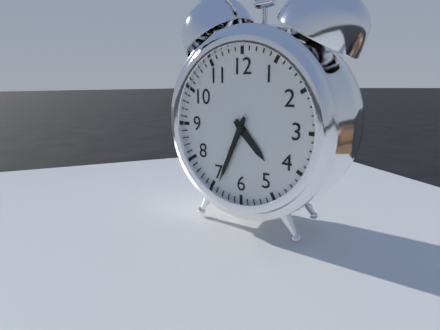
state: 4:34
